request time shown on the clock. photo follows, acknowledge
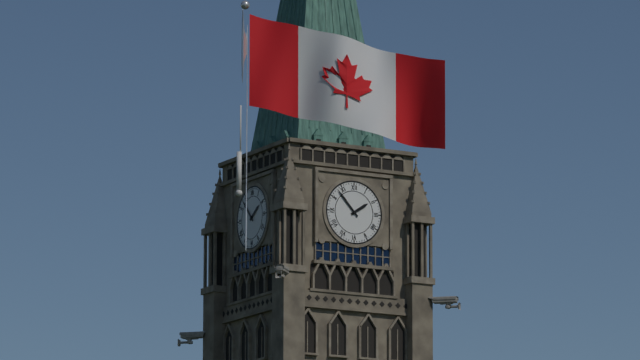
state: 1:53
